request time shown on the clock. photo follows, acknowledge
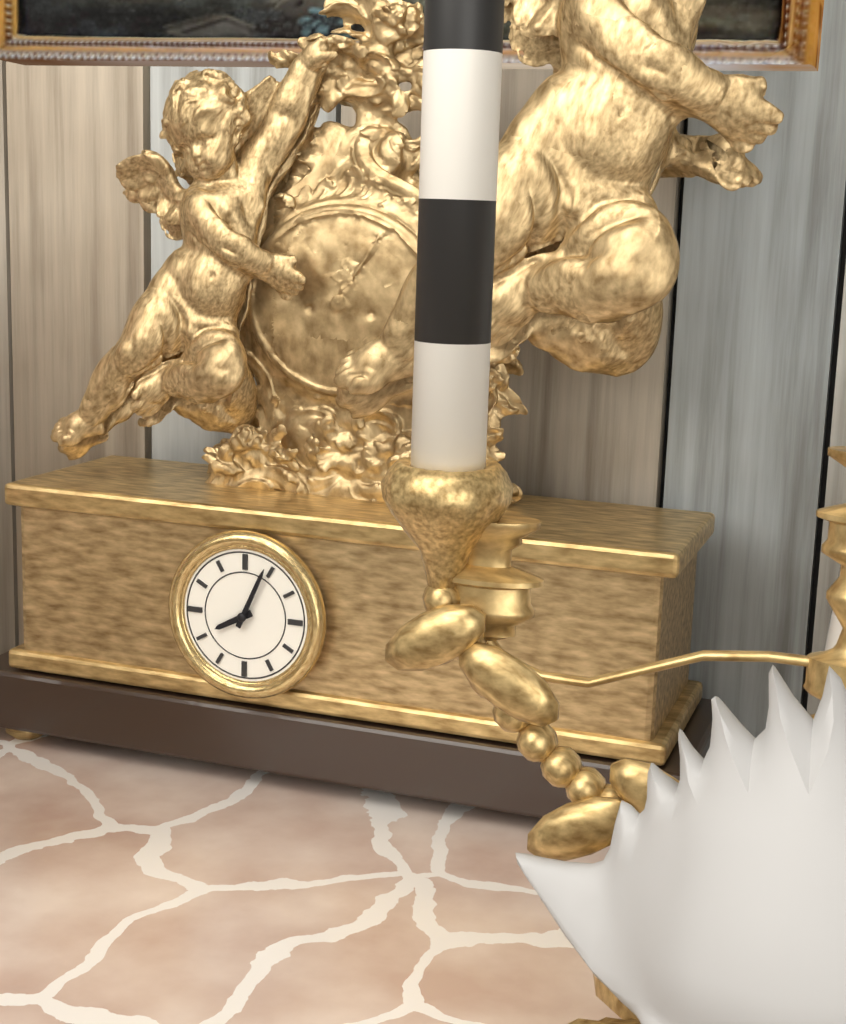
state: 8:04
